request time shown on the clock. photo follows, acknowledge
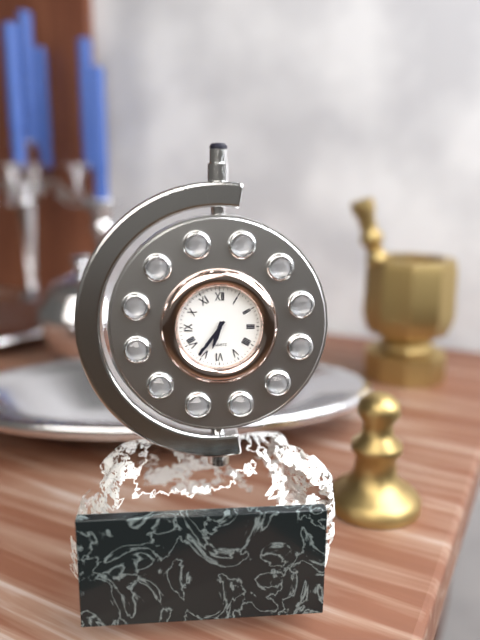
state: 6:36
